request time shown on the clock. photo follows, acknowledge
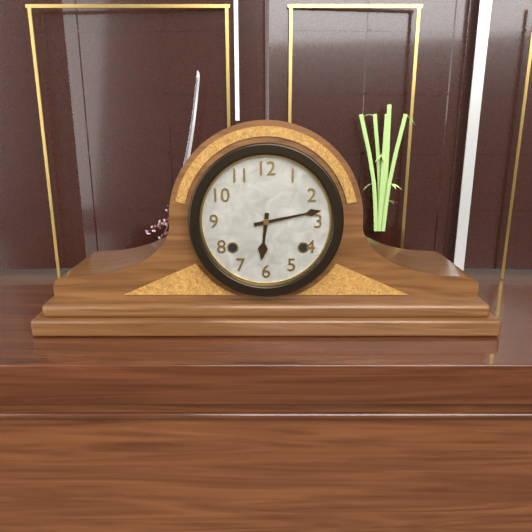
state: 6:13
